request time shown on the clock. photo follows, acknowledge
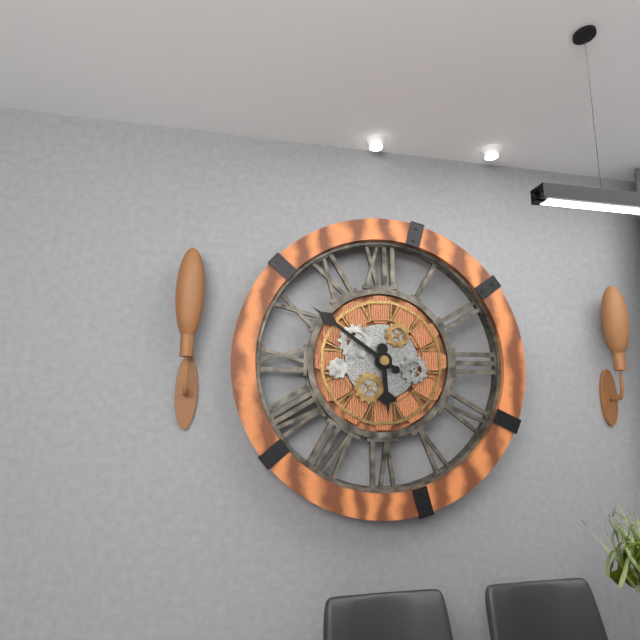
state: 5:51
